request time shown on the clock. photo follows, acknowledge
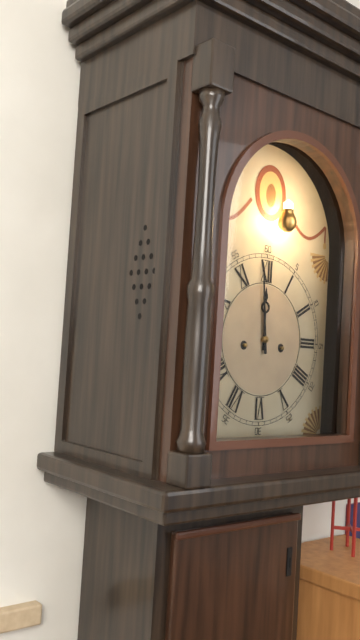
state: 11:59
